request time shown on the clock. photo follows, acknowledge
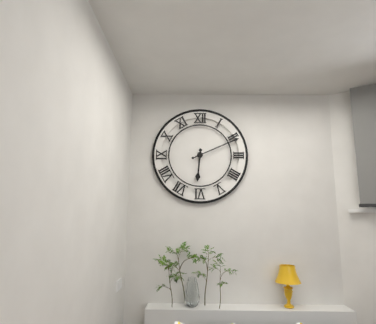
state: 6:11
